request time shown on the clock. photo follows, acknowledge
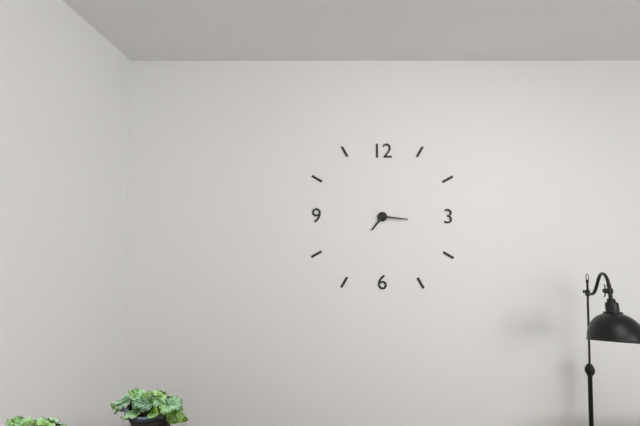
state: 7:16
